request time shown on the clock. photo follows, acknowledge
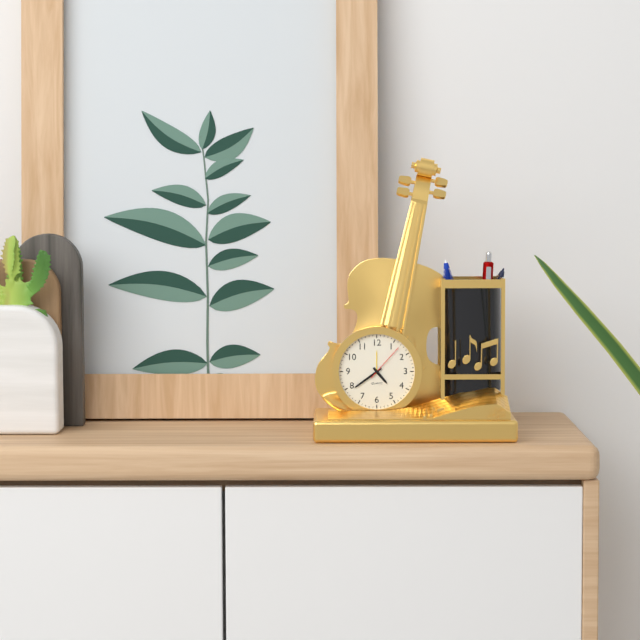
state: 4:39
